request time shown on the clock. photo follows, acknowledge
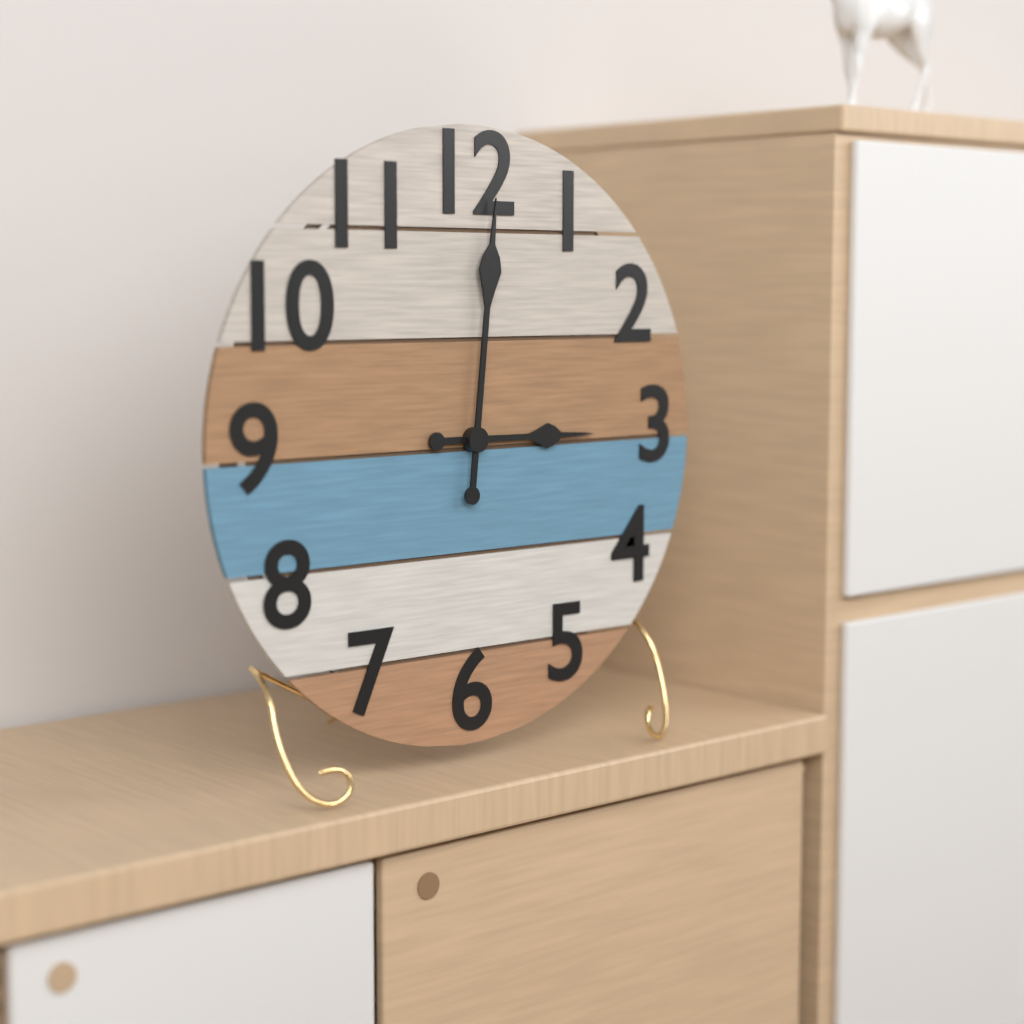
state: 3:01
